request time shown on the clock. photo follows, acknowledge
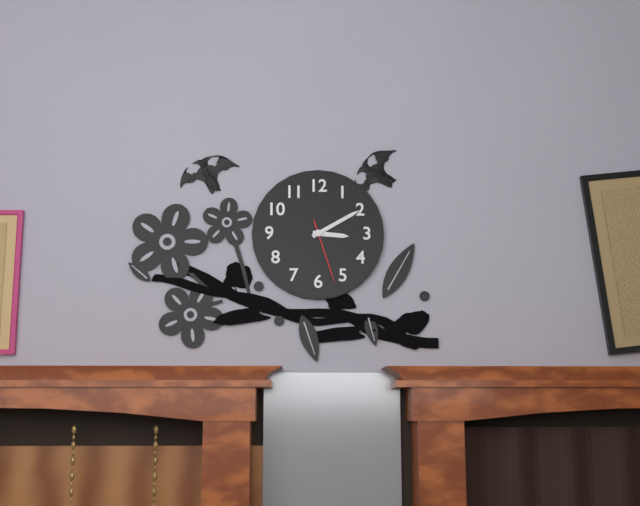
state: 3:10:27
